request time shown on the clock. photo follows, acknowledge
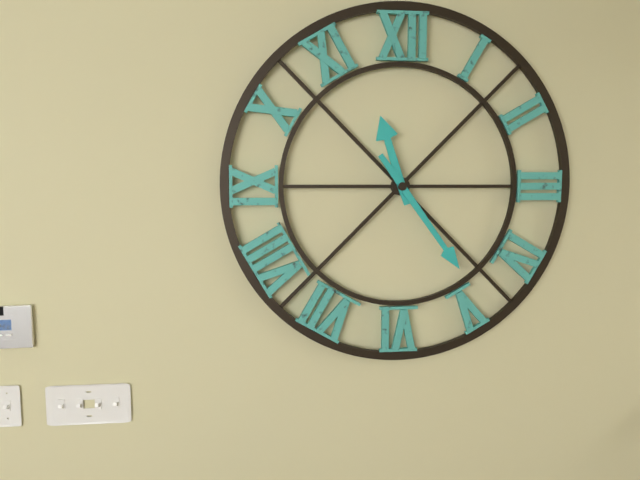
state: 11:24
